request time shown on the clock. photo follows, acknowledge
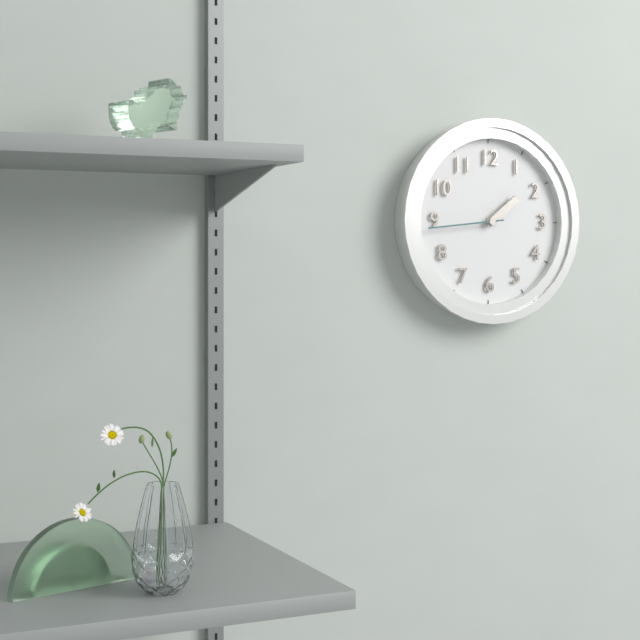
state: 1:44
